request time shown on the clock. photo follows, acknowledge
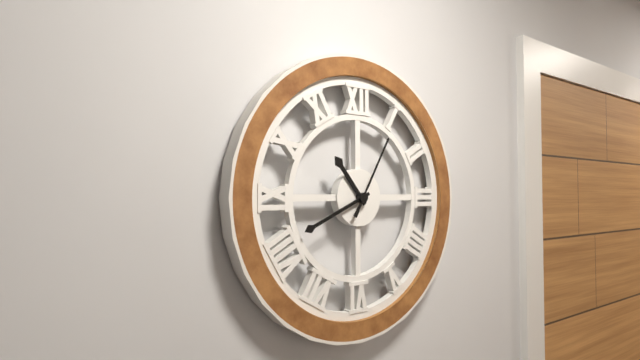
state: 10:41:05
